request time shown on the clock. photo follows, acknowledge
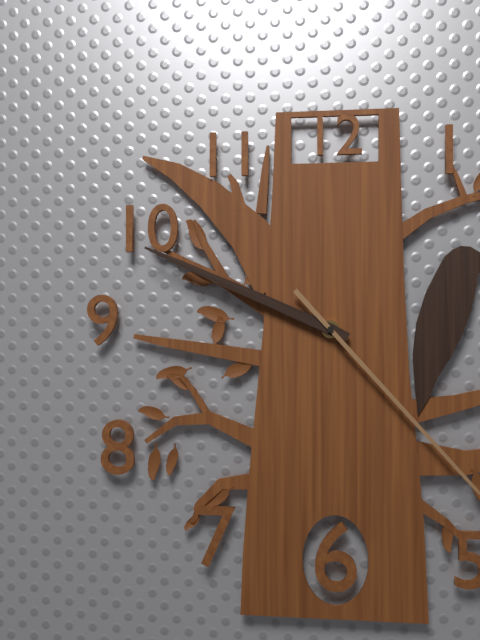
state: 9:49
